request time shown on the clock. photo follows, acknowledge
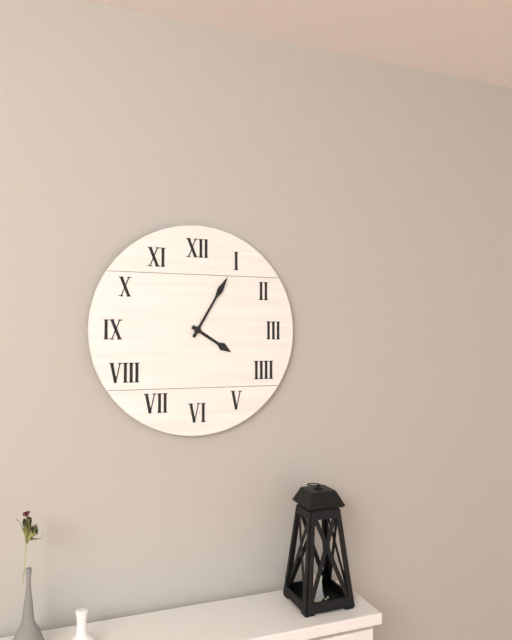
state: 4:05
